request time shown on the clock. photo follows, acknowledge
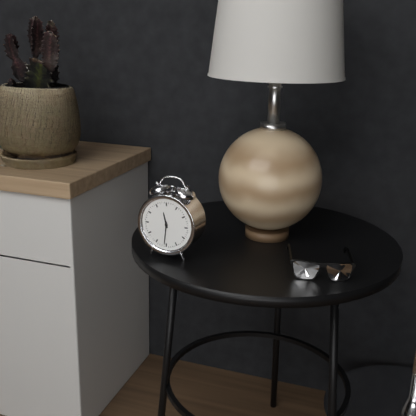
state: 11:31
